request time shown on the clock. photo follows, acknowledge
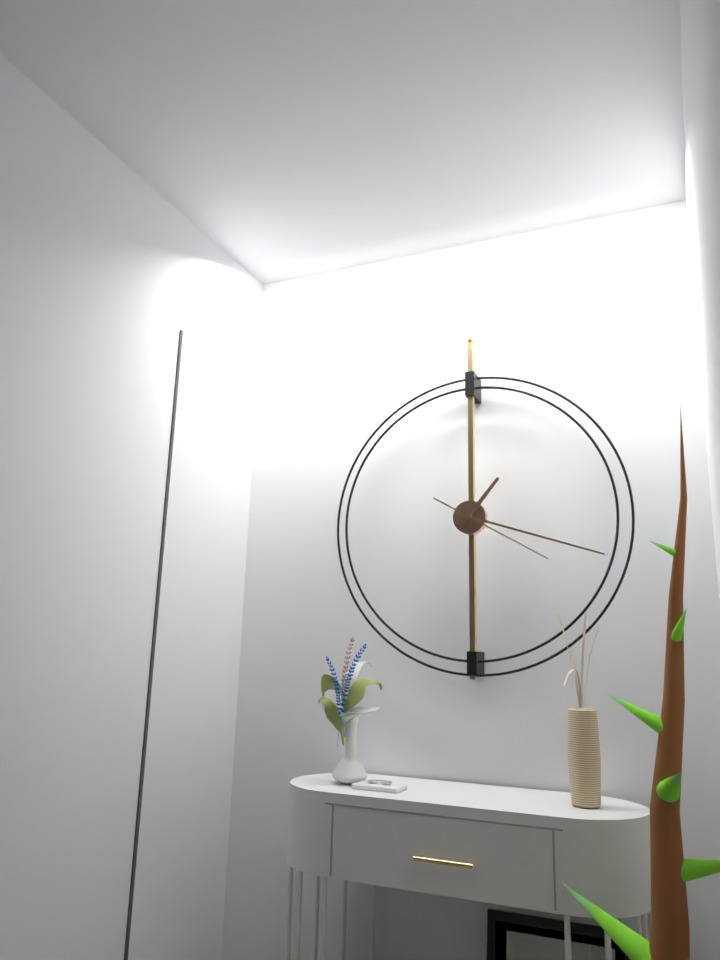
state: 1:18:20
